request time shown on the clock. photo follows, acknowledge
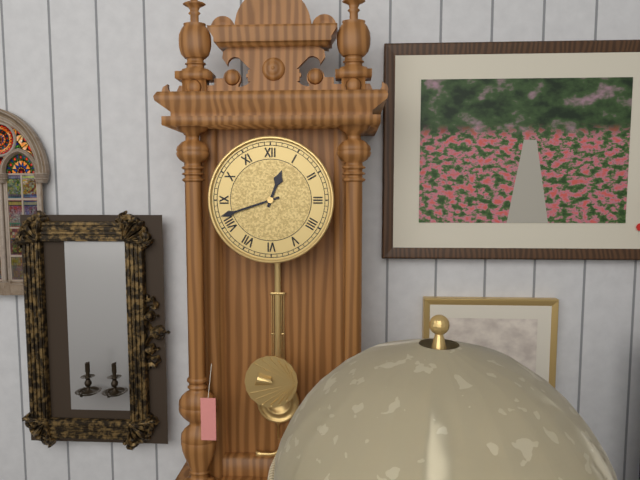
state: 12:42
